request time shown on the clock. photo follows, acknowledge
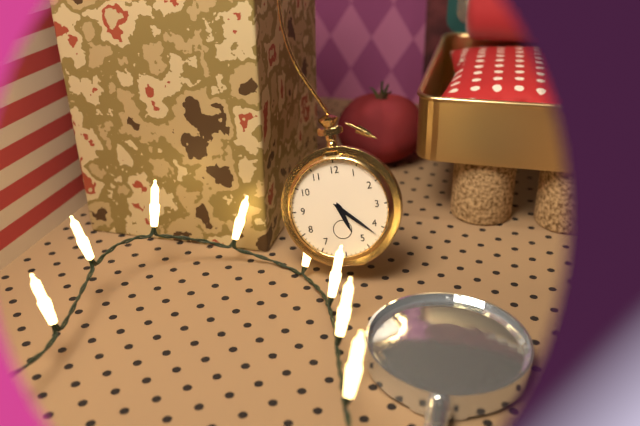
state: 5:22
